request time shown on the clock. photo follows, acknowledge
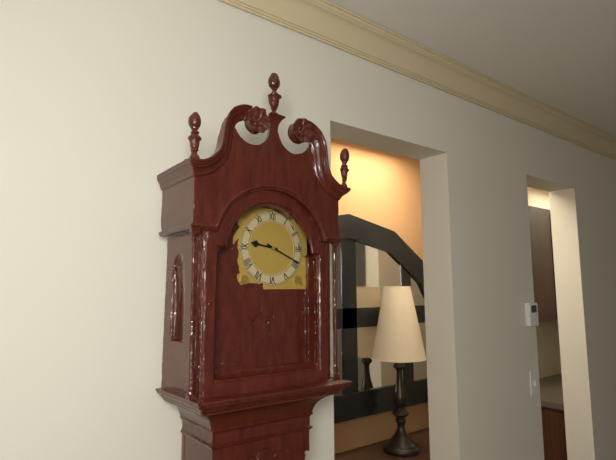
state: 9:19
